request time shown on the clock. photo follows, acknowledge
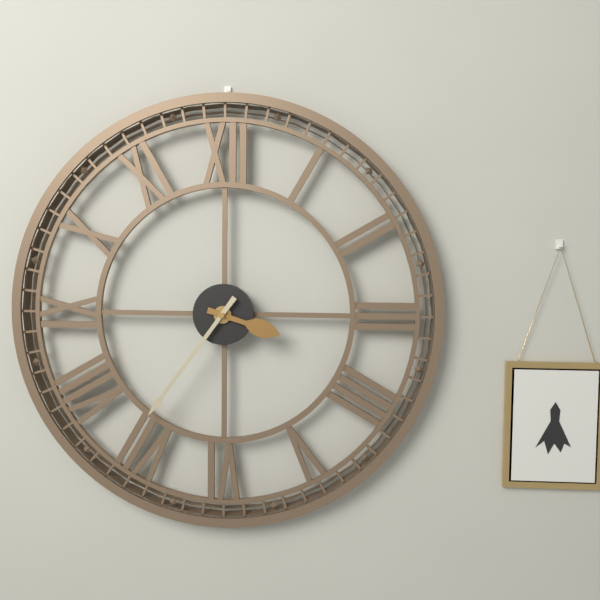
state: 3:36
